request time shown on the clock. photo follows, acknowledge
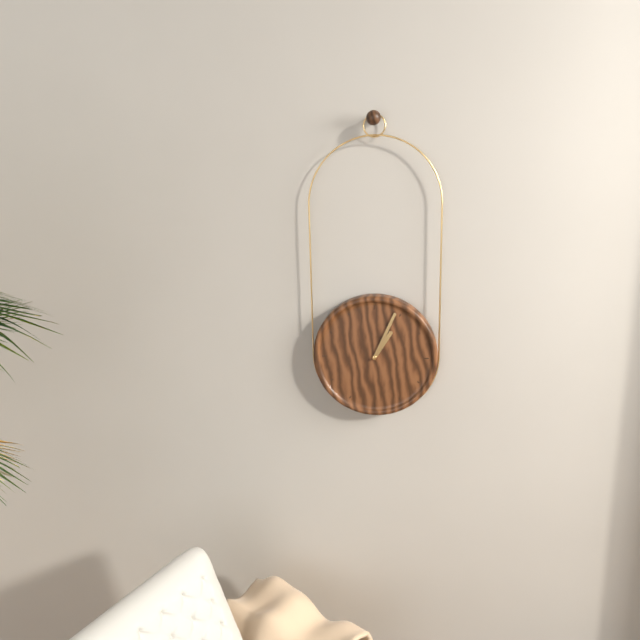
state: 1:04
